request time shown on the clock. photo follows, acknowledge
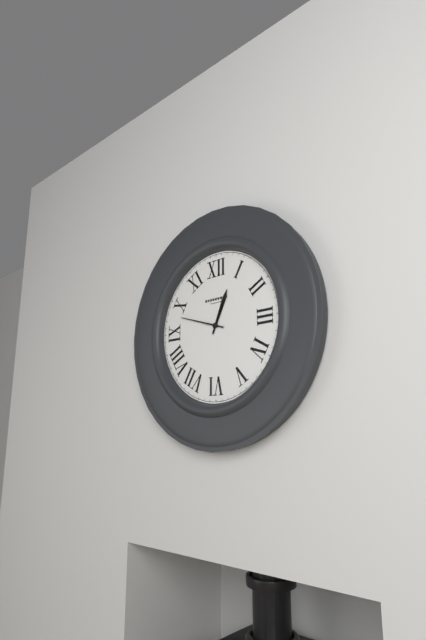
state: 12:48
